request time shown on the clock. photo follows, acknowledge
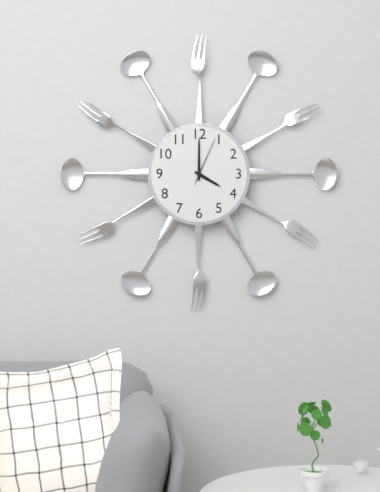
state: 4:00:04
